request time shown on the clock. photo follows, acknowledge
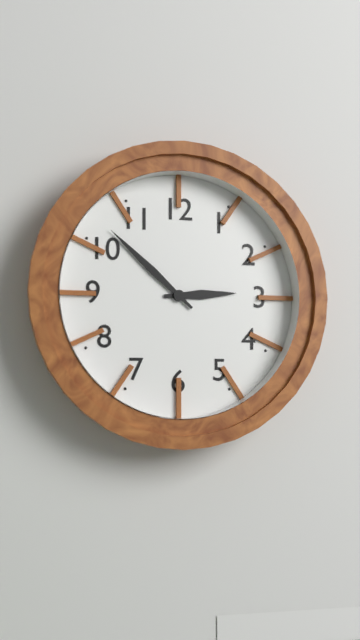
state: 2:52
